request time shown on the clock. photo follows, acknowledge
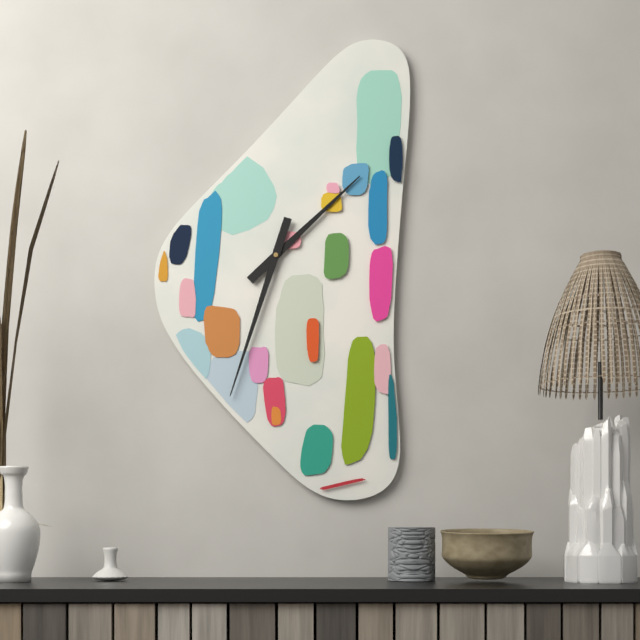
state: 1:33
